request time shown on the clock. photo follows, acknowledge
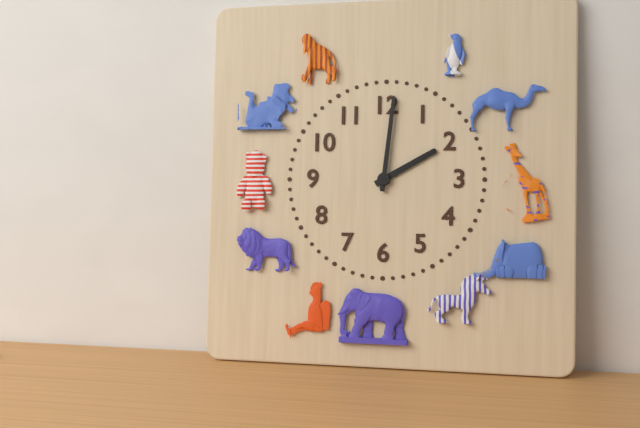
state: 2:01
